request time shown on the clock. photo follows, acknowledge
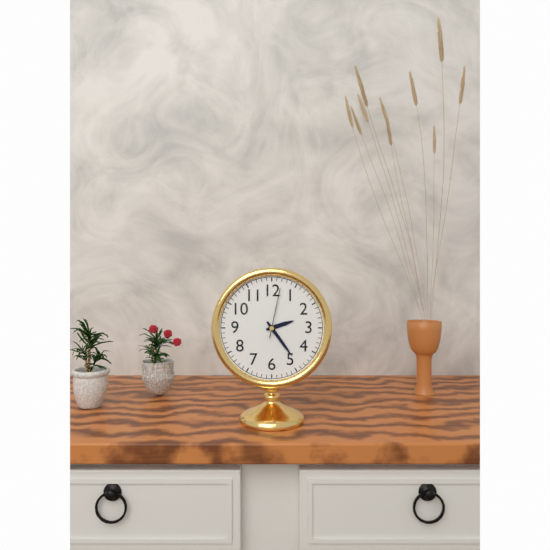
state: 2:24:02
